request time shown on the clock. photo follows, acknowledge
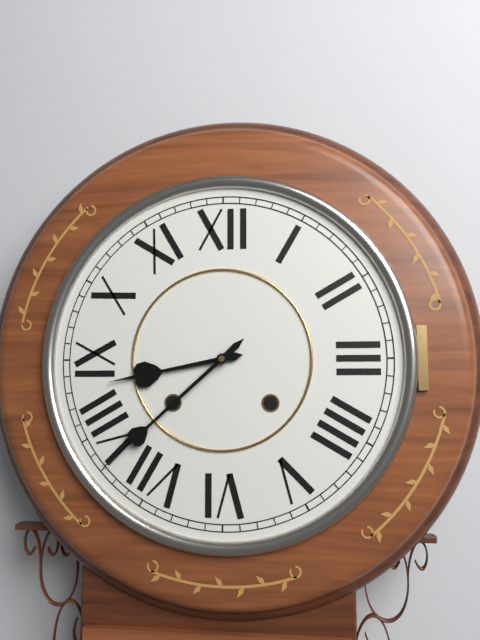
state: 8:38
